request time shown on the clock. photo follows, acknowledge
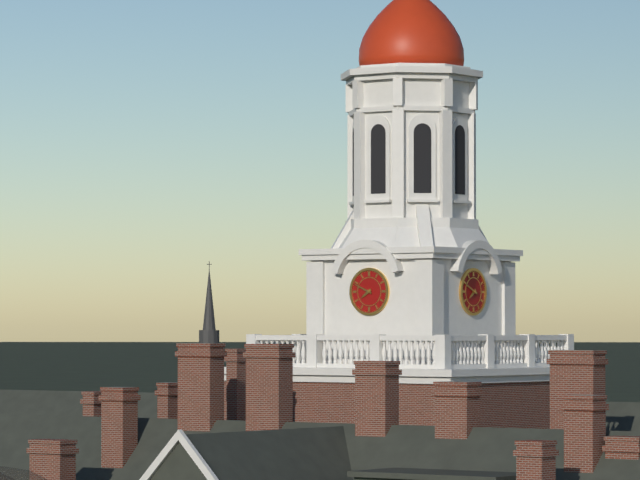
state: 7:49
